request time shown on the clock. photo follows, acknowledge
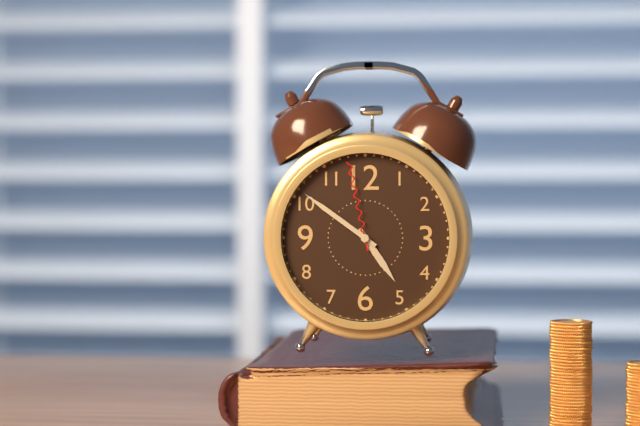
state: 4:51:58
